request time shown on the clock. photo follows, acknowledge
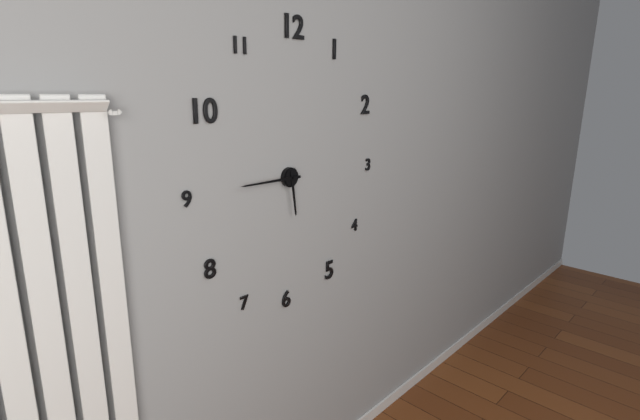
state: 5:45
